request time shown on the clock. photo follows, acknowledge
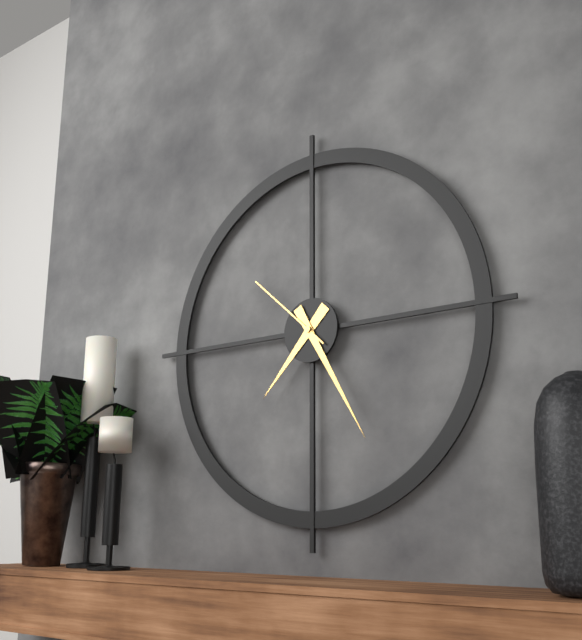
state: 7:25:52
